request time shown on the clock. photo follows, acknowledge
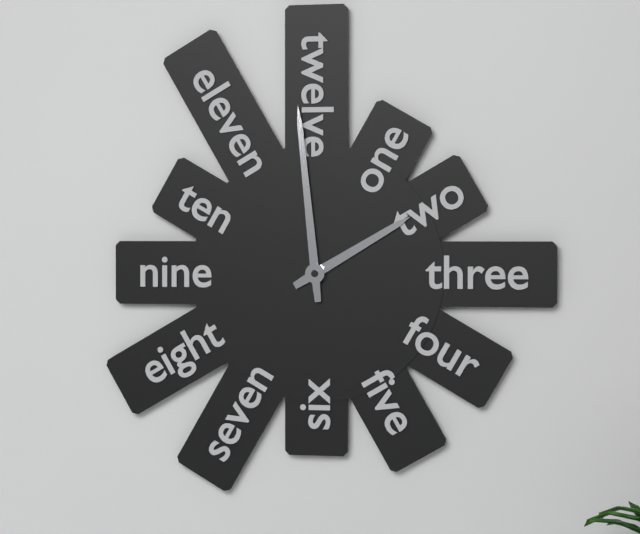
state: 1:59
